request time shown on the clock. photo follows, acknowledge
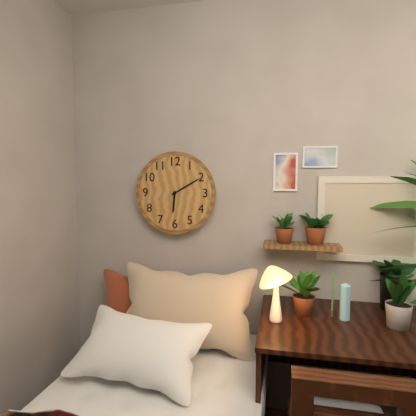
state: 6:10
